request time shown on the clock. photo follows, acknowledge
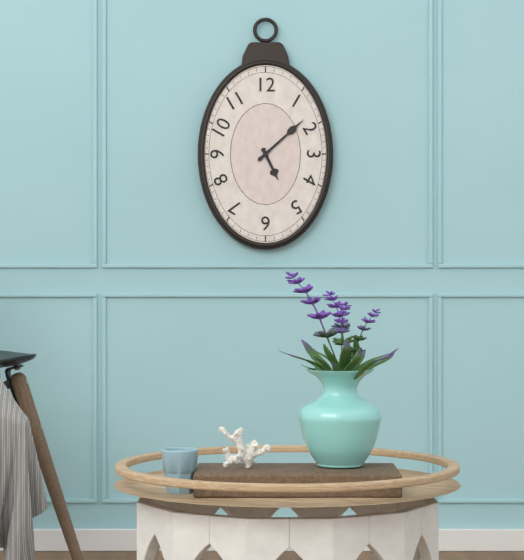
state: 5:08
